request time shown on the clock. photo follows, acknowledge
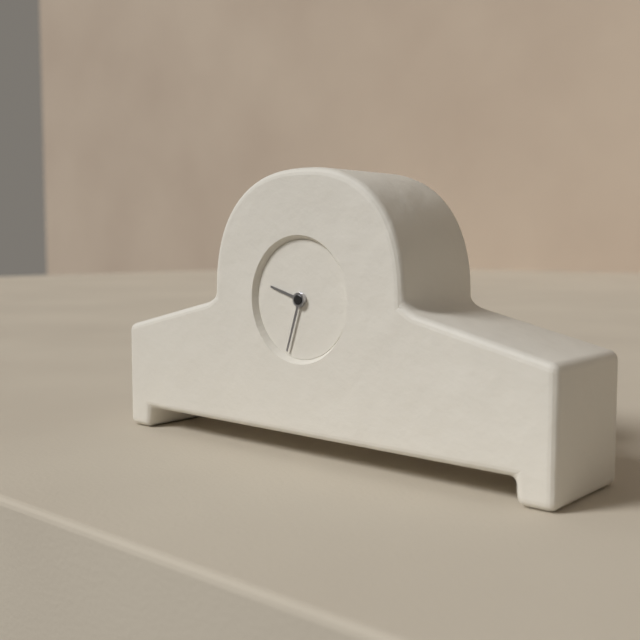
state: 9:33
